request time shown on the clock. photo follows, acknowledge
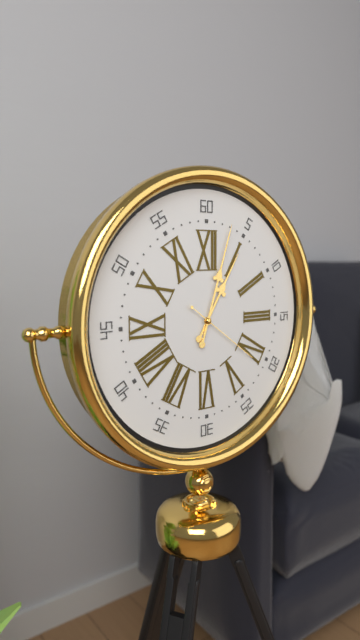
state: 1:03:21
